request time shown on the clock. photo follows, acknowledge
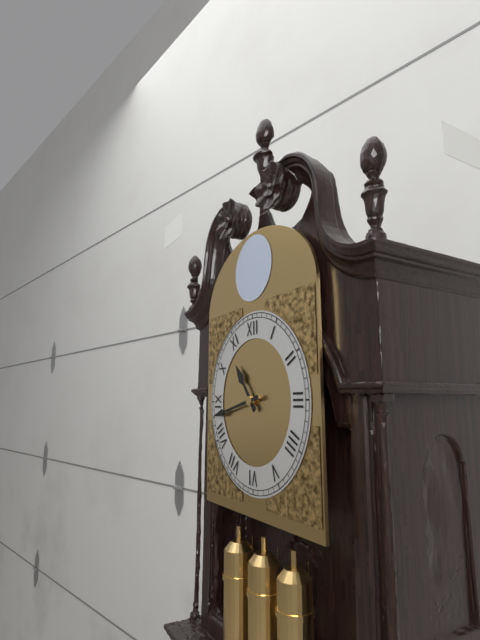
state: 10:43
